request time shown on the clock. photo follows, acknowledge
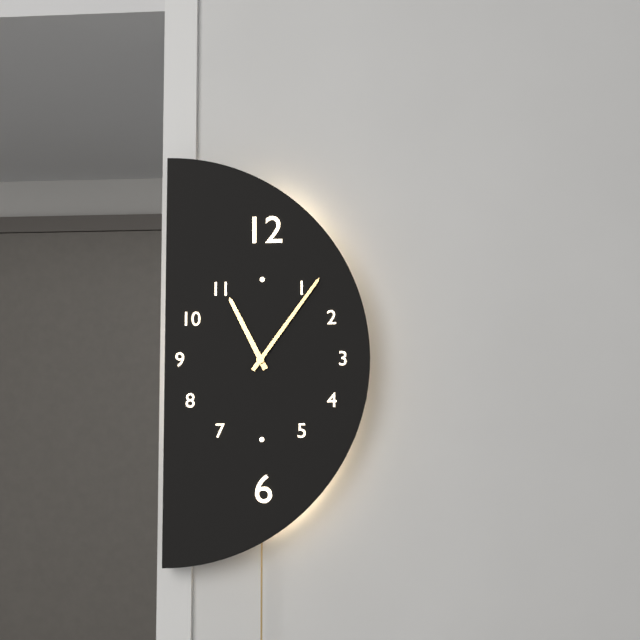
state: 11:06
